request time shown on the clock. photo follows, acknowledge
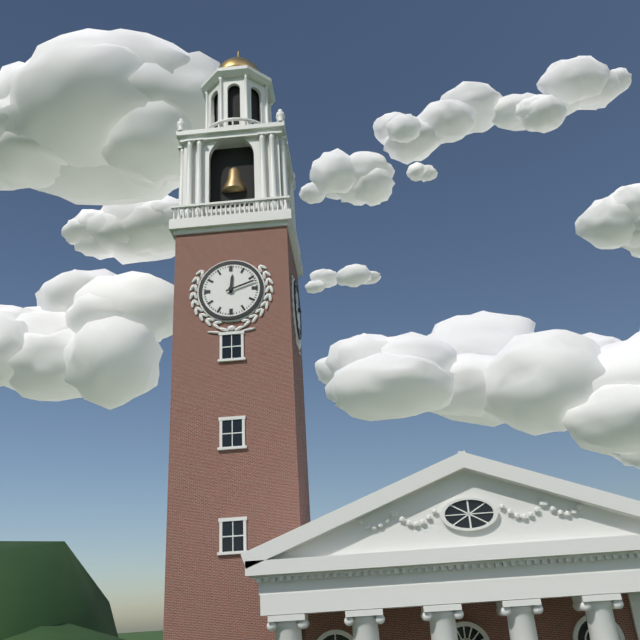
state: 12:12
